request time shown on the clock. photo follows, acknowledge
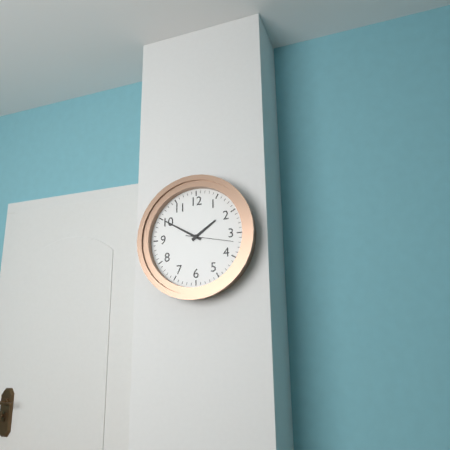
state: 1:50
